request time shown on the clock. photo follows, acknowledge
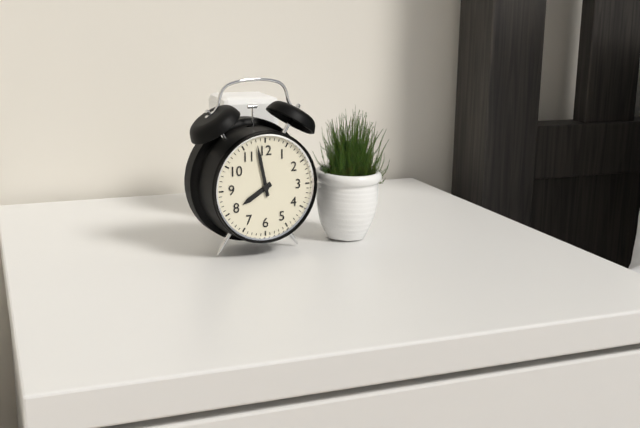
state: 7:58
